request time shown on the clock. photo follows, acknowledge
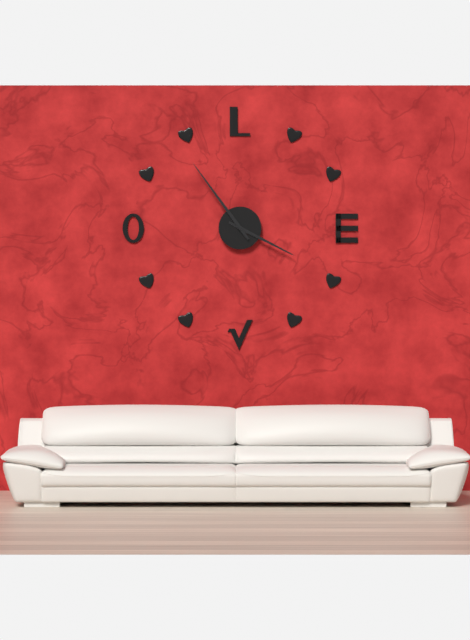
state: 3:54
